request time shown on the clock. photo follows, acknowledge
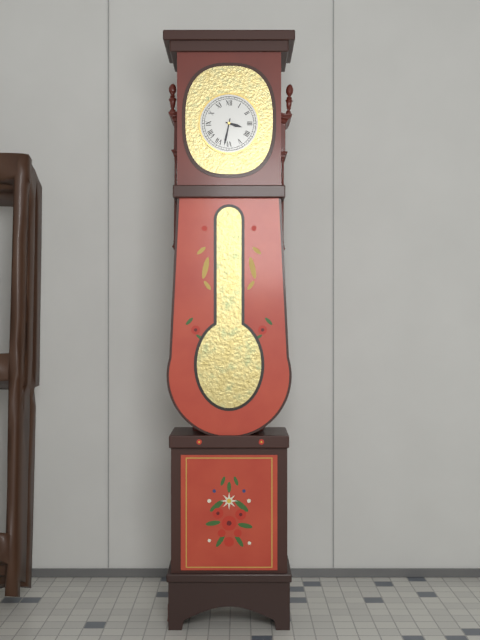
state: 3:32
